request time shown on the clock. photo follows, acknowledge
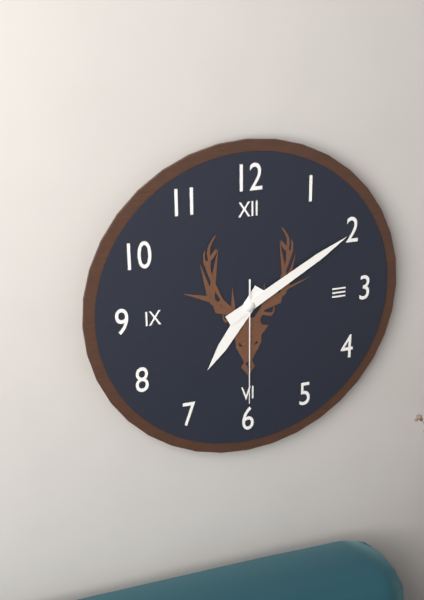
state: 7:10:30
